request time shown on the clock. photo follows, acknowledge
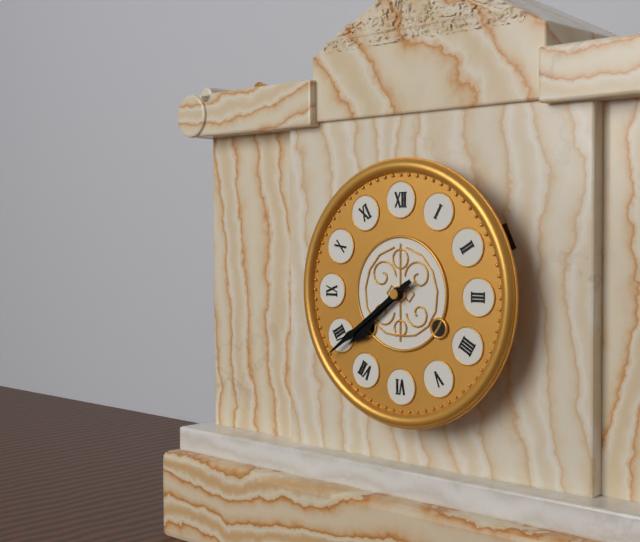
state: 7:39
